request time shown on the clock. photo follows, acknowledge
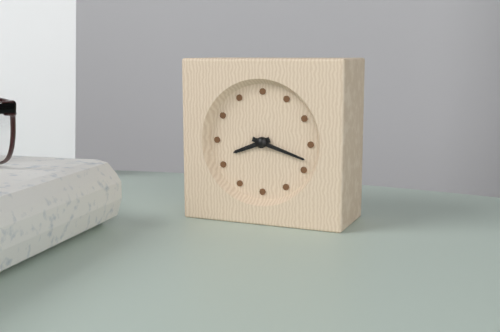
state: 8:18
